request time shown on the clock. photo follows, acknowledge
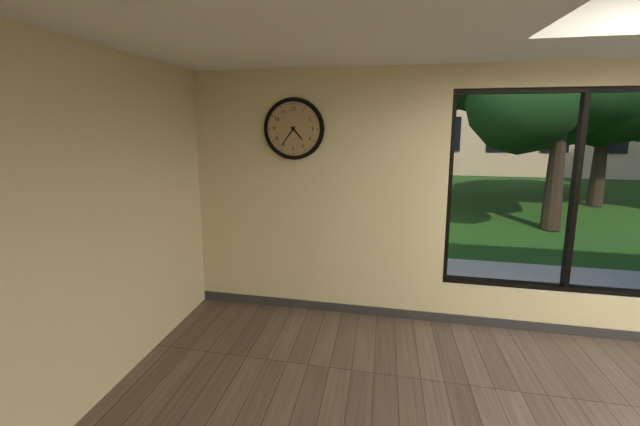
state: 4:36
